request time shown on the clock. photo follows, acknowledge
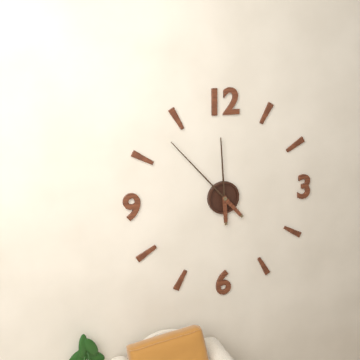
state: 11:53
